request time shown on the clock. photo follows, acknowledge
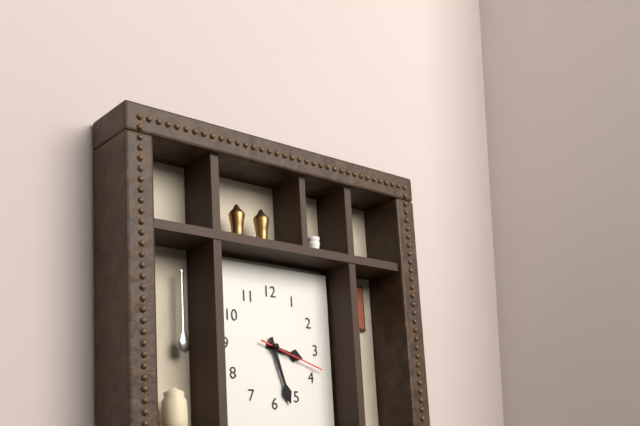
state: 3:27:18
